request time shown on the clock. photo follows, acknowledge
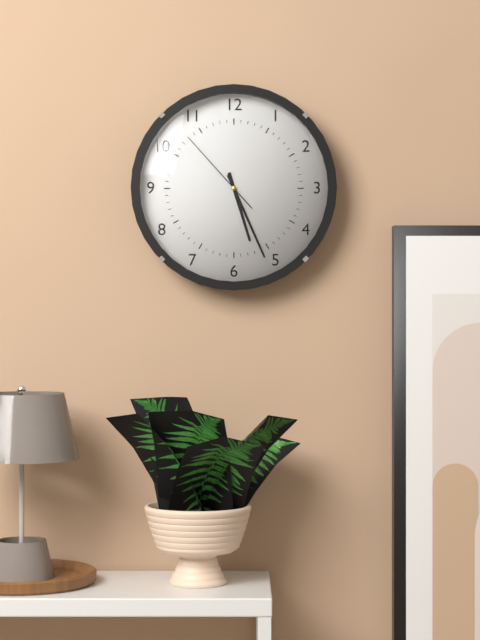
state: 5:26:53
